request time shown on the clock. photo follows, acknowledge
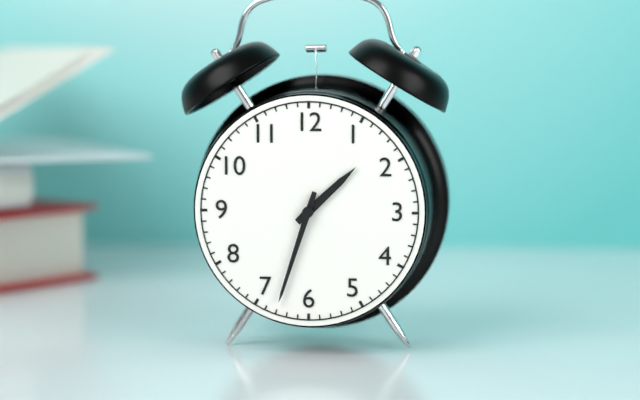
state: 1:33
